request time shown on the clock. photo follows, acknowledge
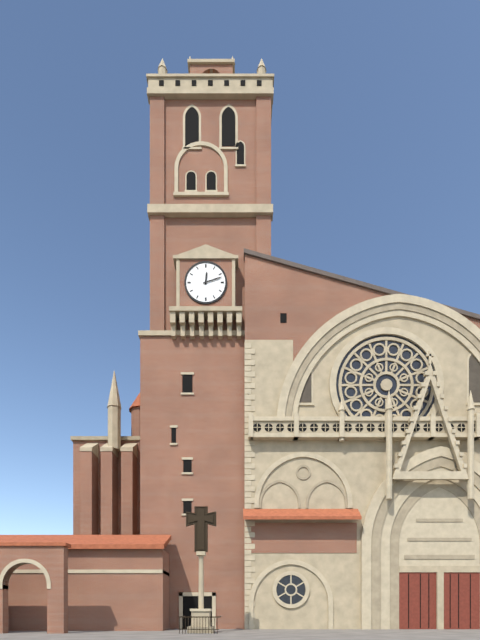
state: 12:12
